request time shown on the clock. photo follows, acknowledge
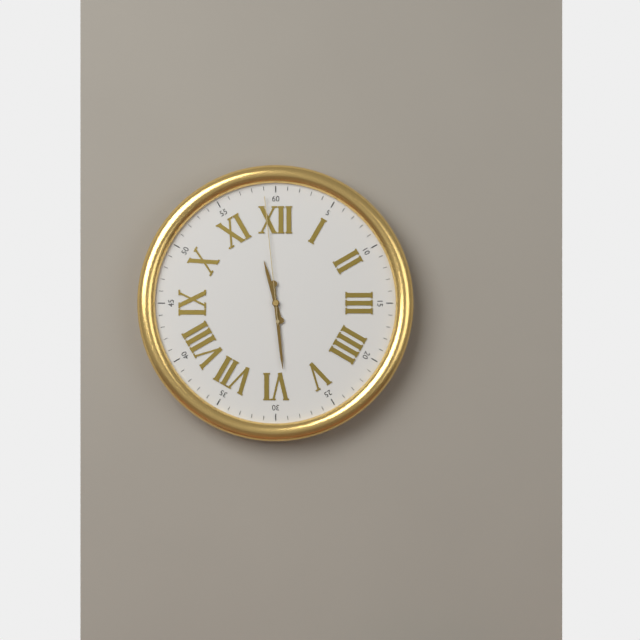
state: 11:29:59
